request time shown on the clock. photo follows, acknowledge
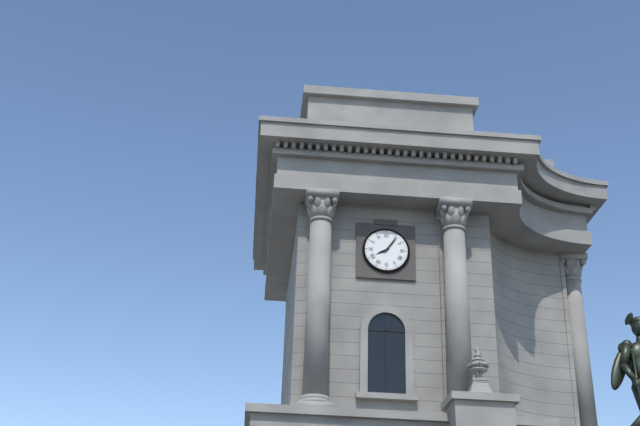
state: 8:06
